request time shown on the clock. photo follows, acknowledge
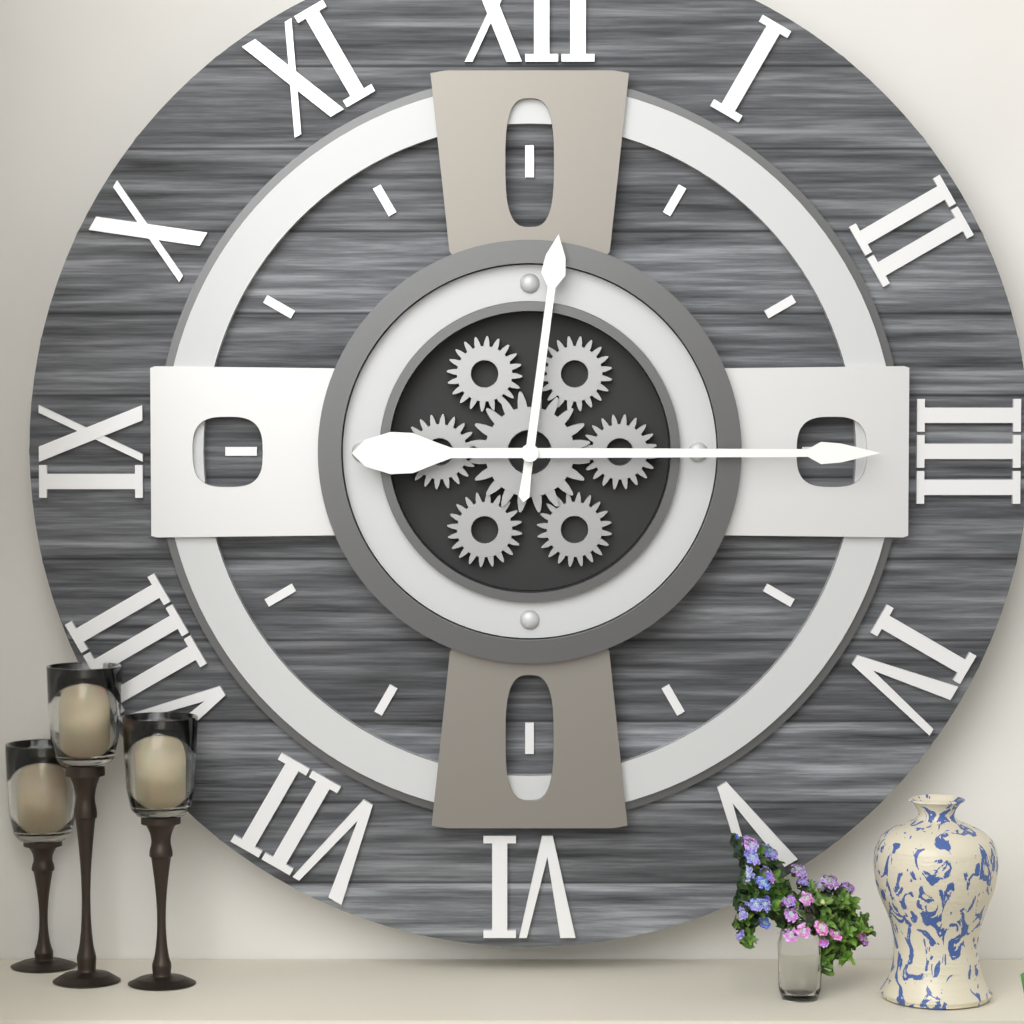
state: 12:15
